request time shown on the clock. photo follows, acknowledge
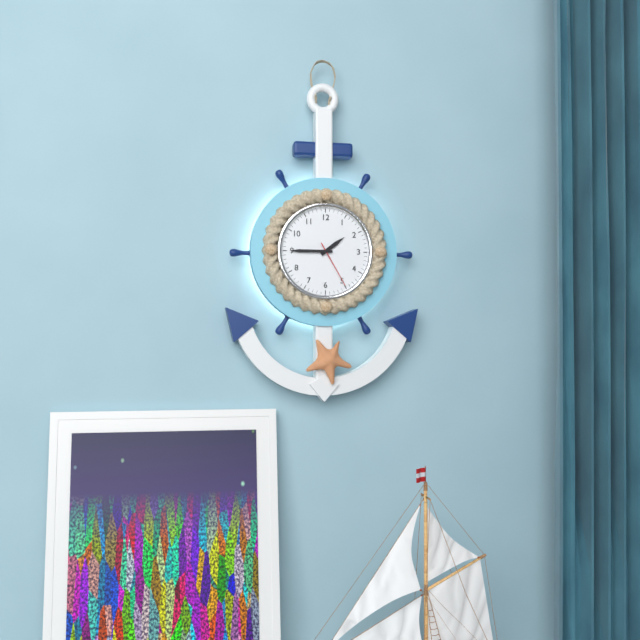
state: 1:45
